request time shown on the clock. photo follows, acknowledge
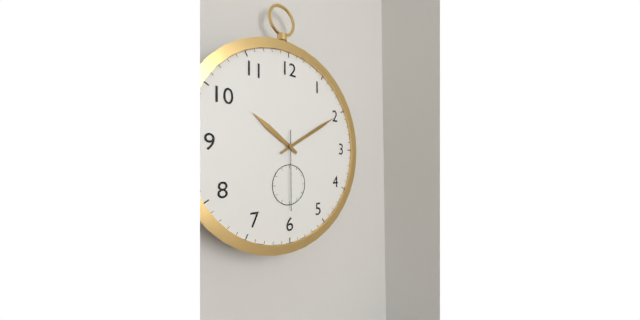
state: 10:10:30
